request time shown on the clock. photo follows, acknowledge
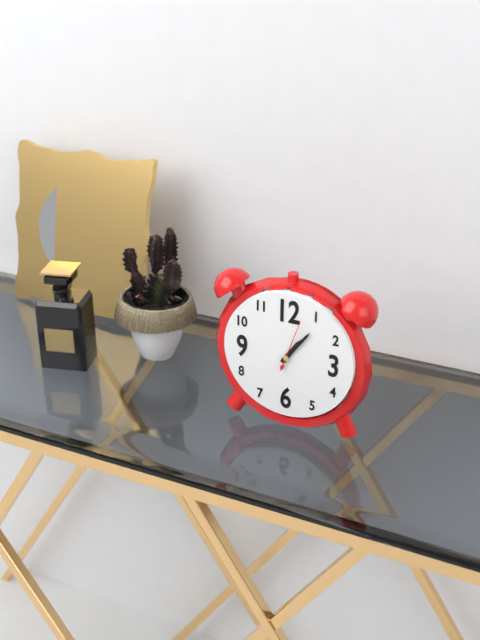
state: 1:06
